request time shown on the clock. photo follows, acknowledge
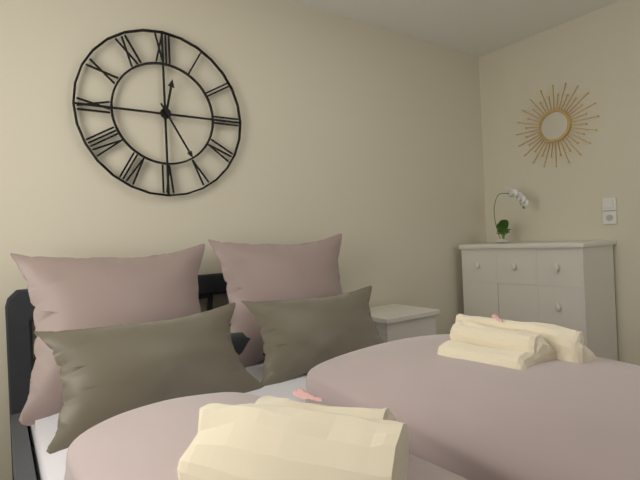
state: 12:25
